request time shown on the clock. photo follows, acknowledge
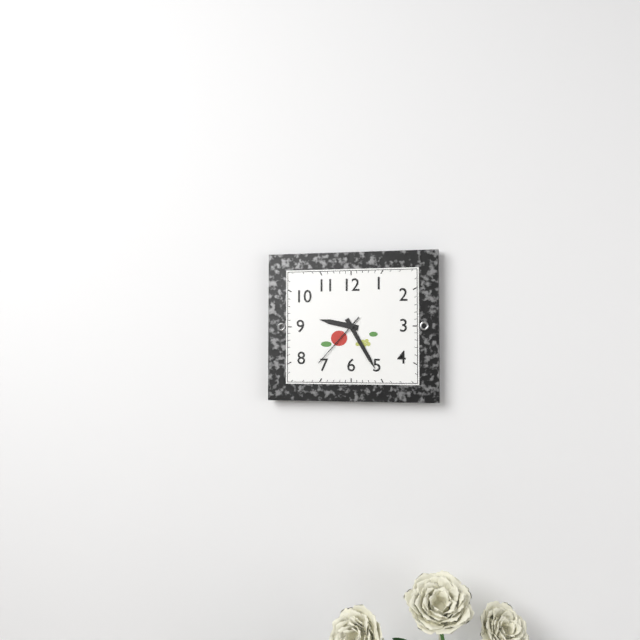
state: 9:25:37
